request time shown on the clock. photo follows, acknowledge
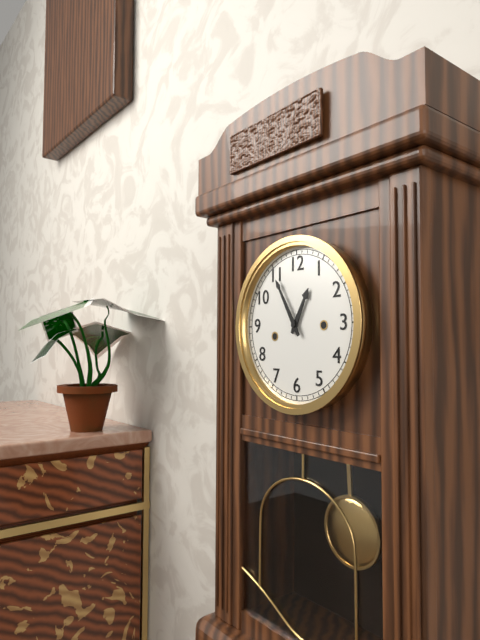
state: 12:55
